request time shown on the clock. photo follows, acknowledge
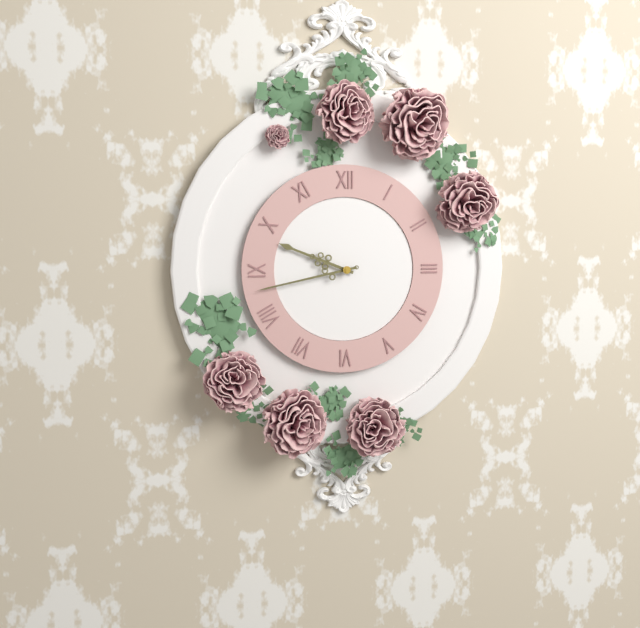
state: 9:43
